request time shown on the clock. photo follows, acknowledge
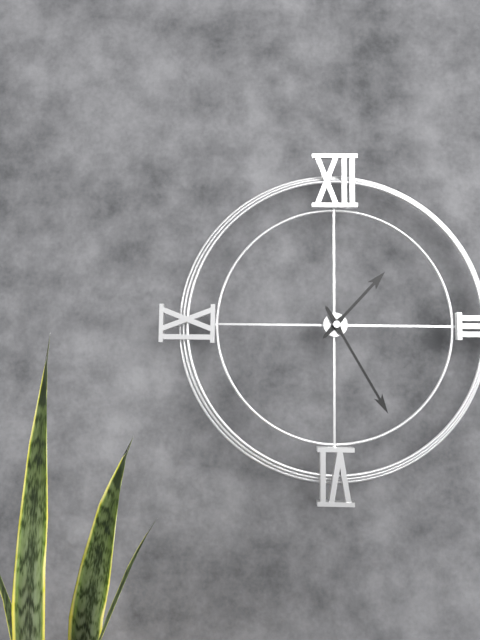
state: 1:25
